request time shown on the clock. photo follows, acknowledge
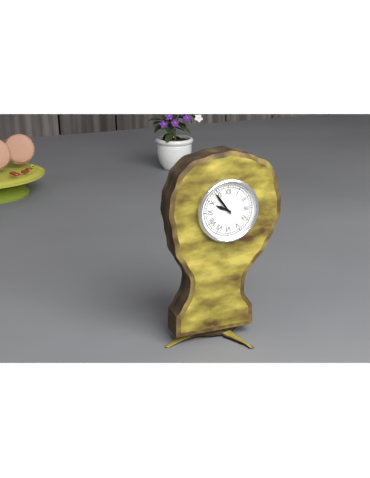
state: 9:54
